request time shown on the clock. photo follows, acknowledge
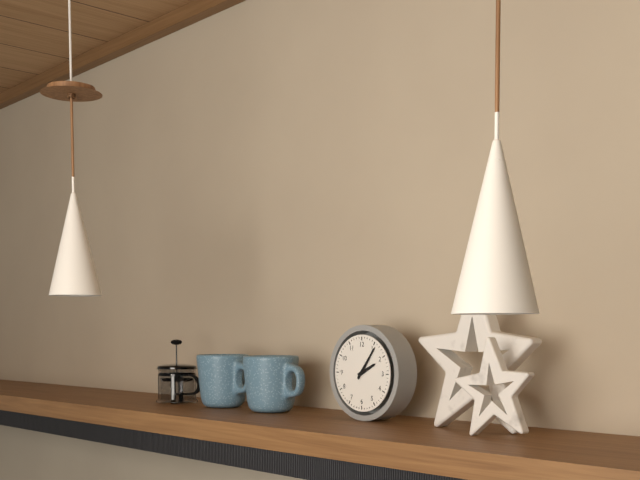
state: 2:06
